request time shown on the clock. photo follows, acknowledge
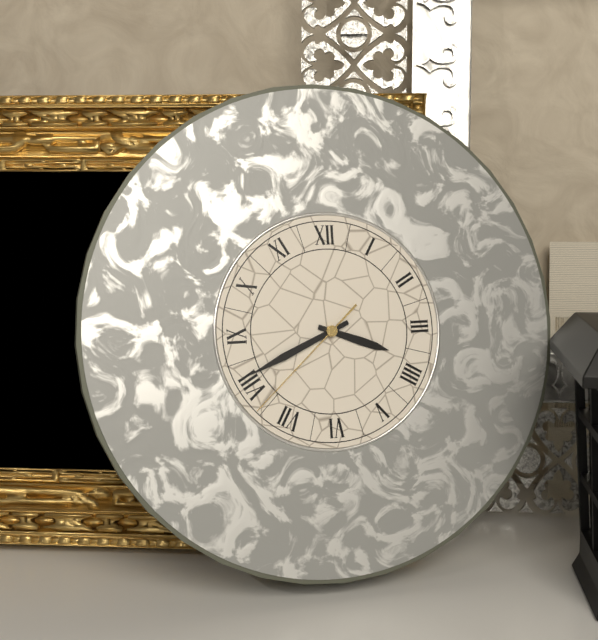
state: 3:41:38
